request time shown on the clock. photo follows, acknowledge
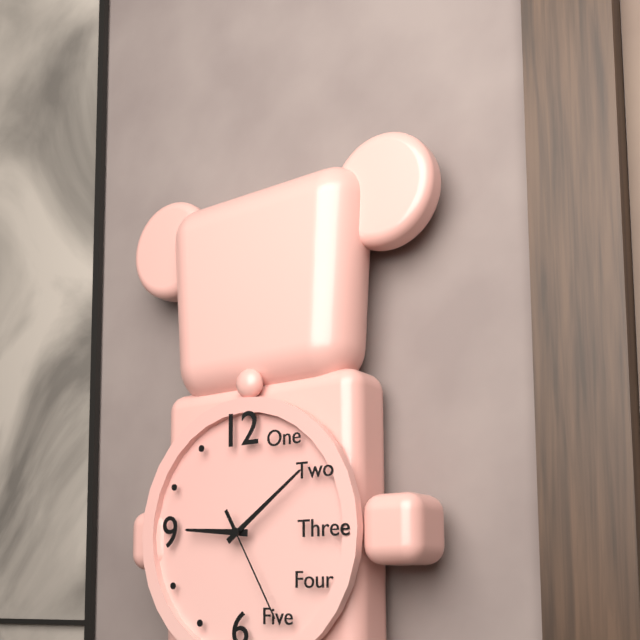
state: 9:09:25
